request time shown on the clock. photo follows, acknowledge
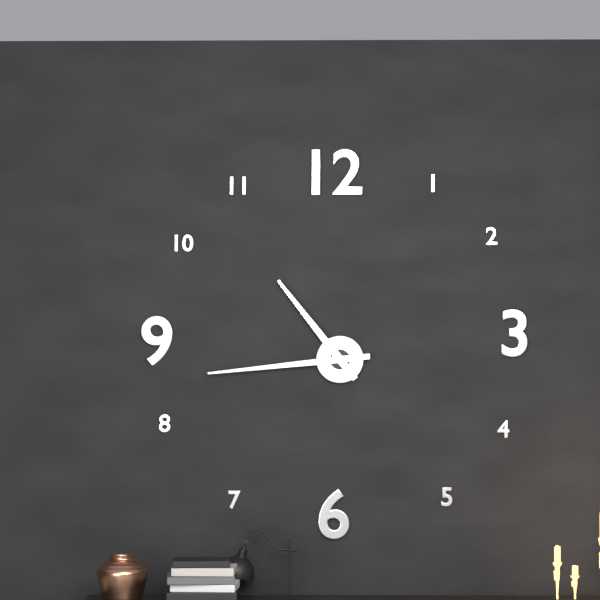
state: 10:44
